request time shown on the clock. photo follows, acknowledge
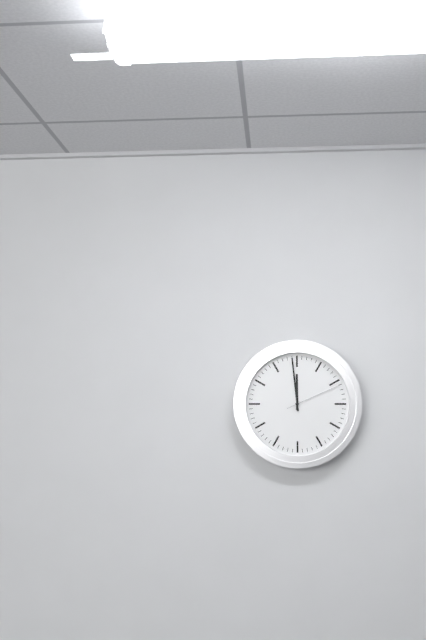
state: 11:59:11
